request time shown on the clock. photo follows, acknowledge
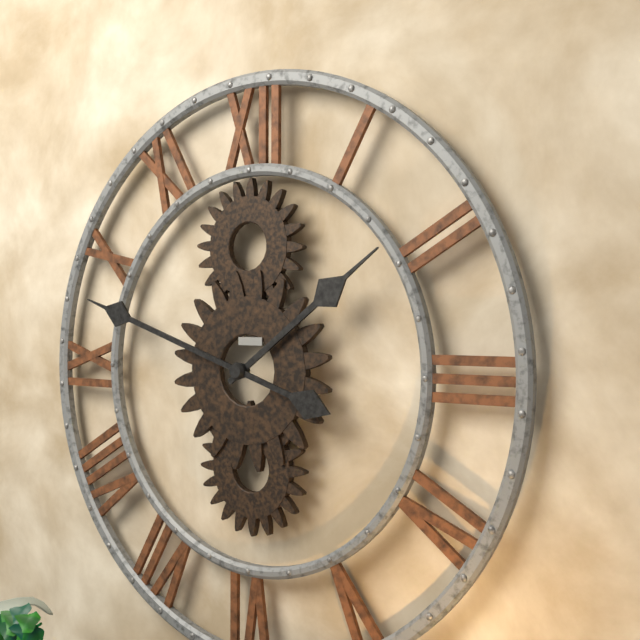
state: 1:48
